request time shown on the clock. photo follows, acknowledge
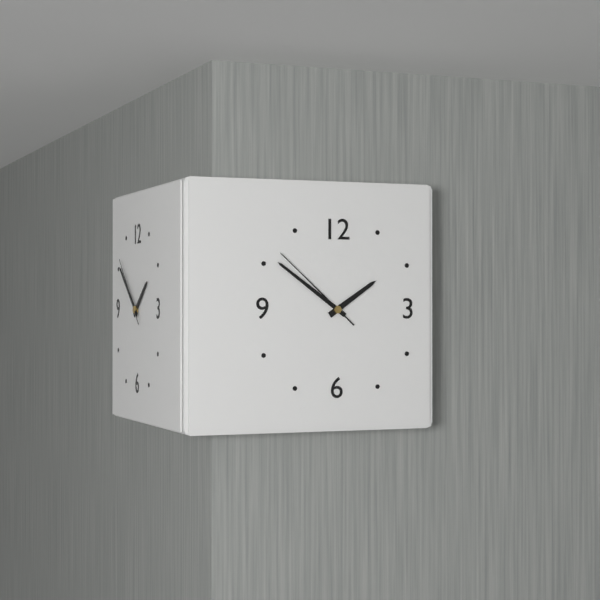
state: 1:51:52
